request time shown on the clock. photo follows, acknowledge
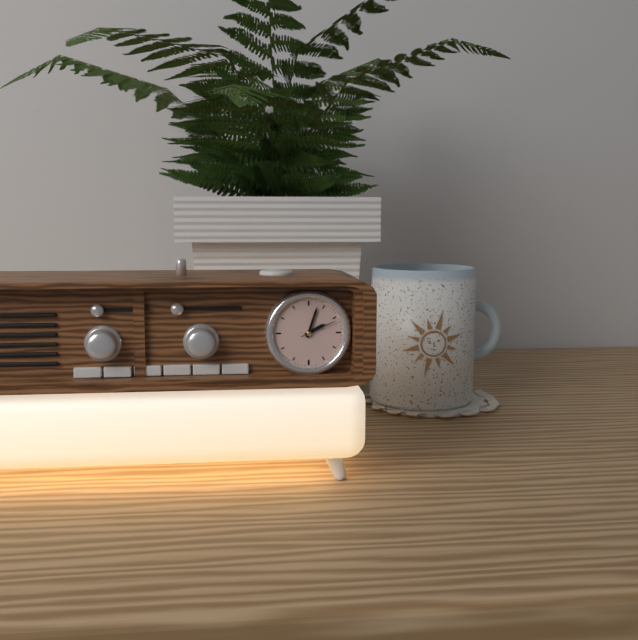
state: 2:03
